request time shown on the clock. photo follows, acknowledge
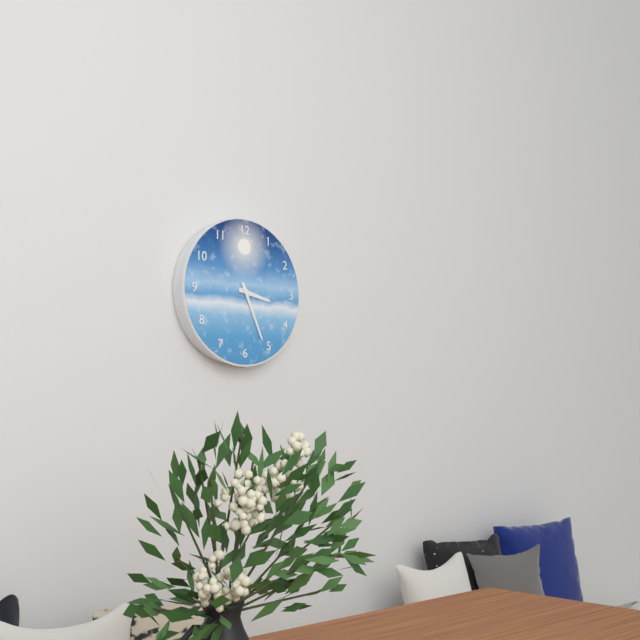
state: 3:26
